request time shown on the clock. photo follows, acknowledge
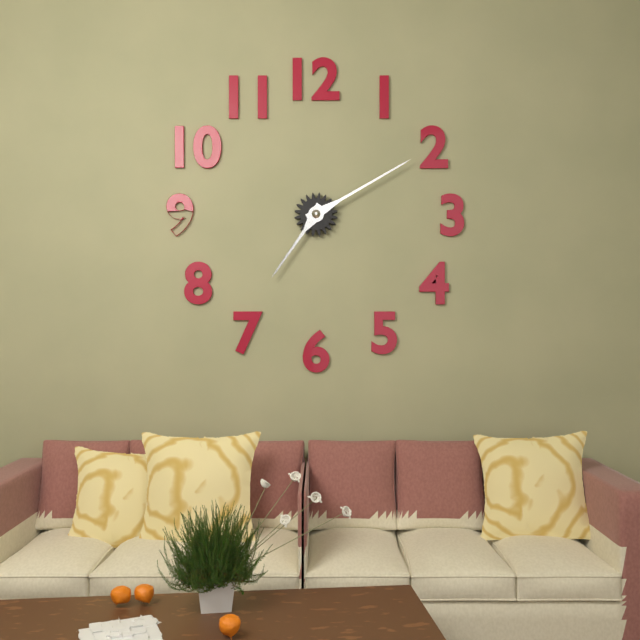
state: 7:10
